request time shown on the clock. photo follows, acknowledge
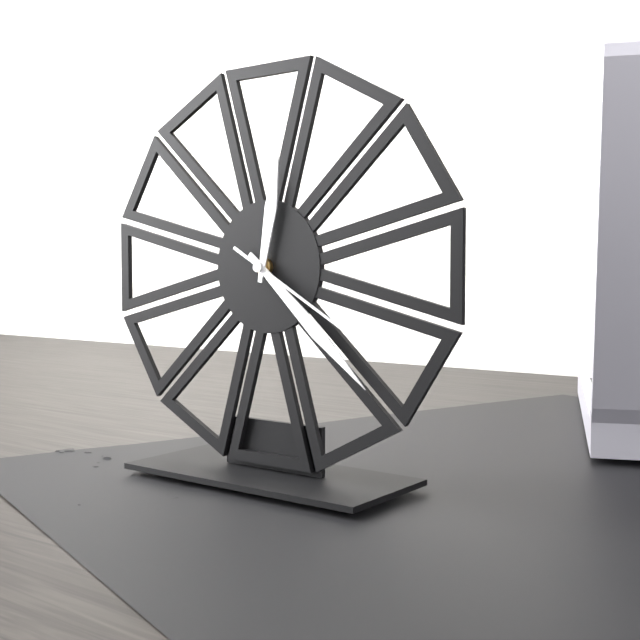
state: 12:22:20
